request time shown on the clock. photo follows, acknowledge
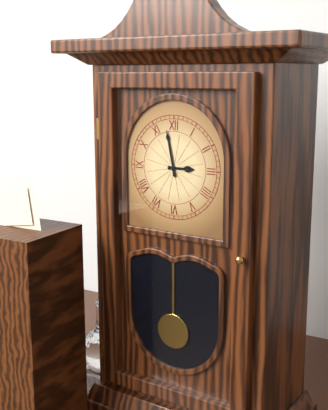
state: 2:58
